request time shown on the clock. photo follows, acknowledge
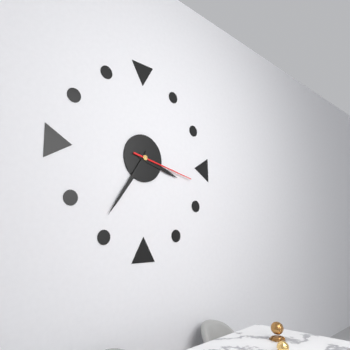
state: 3:36:17
